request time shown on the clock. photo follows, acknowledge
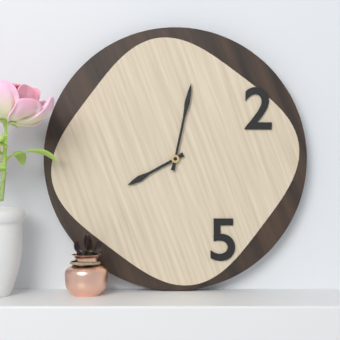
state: 8:02
